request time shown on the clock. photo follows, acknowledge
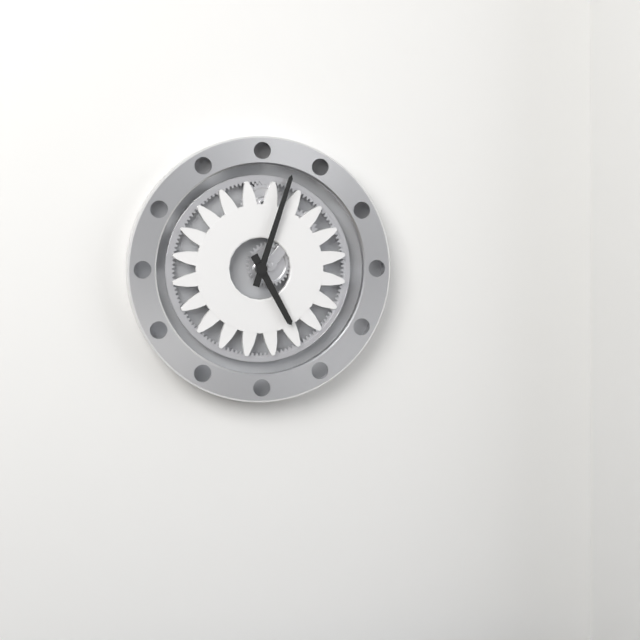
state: 5:03
